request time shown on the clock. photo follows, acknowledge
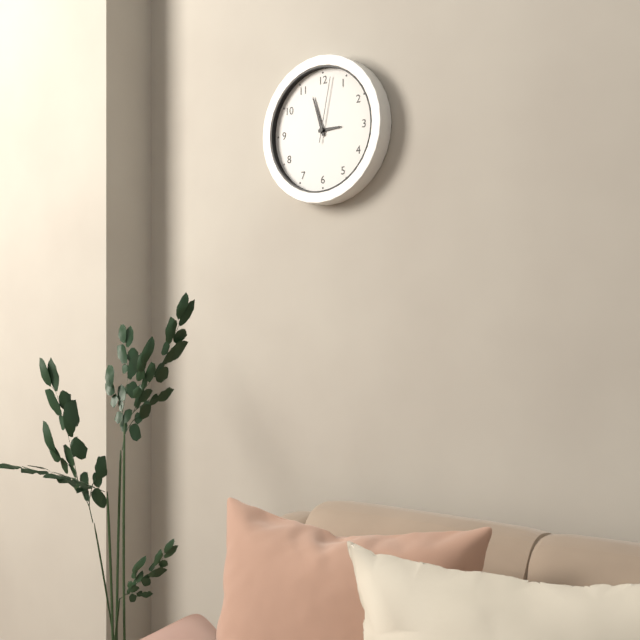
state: 2:57:02
